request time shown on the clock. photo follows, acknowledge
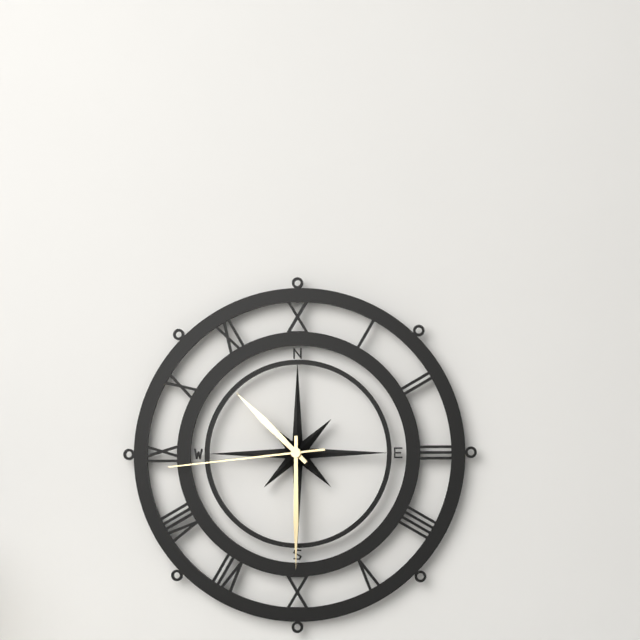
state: 10:30:44
